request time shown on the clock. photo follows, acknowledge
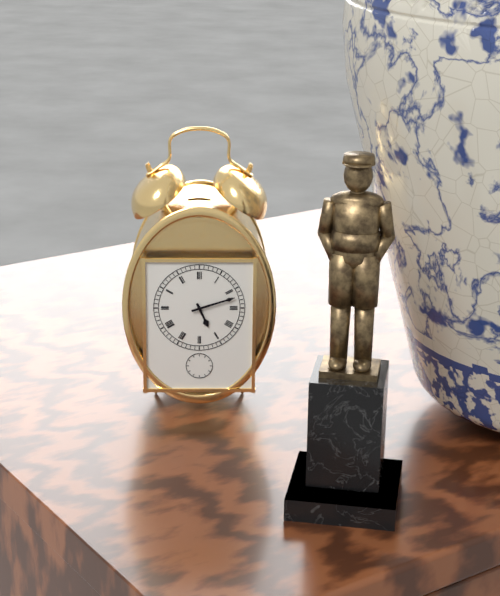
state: 5:12
